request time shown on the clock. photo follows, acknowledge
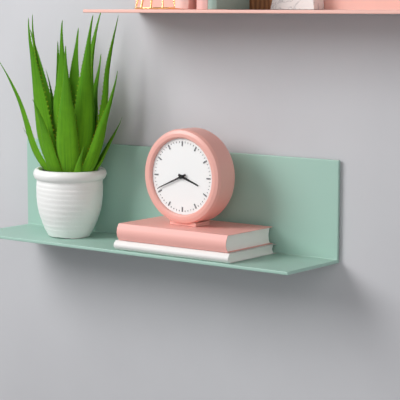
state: 3:41
